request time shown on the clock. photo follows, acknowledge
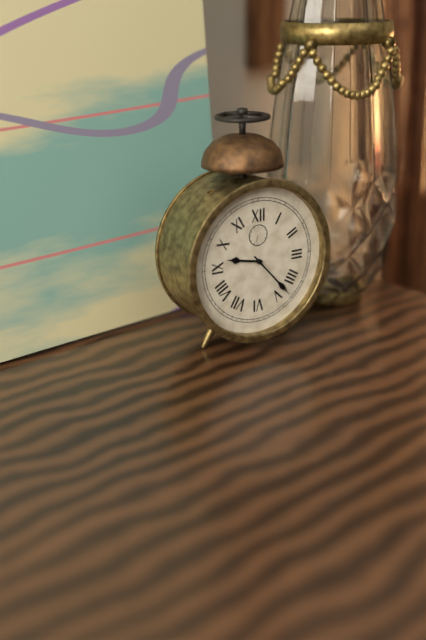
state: 9:23
